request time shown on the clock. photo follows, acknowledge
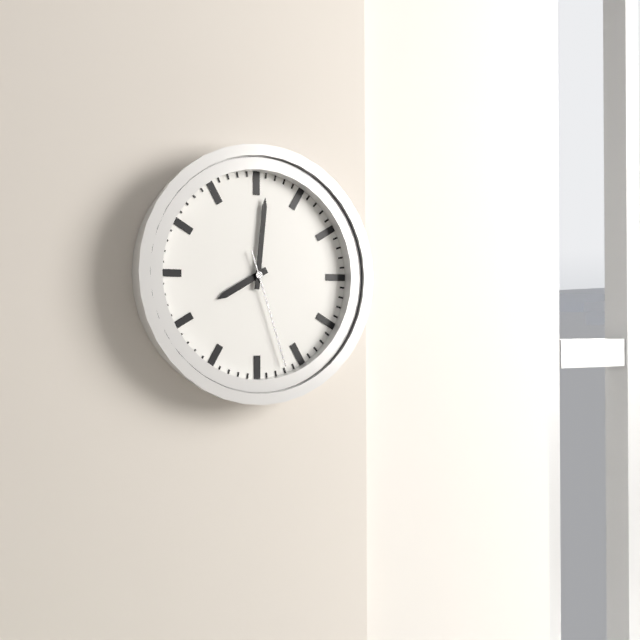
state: 8:01:27
